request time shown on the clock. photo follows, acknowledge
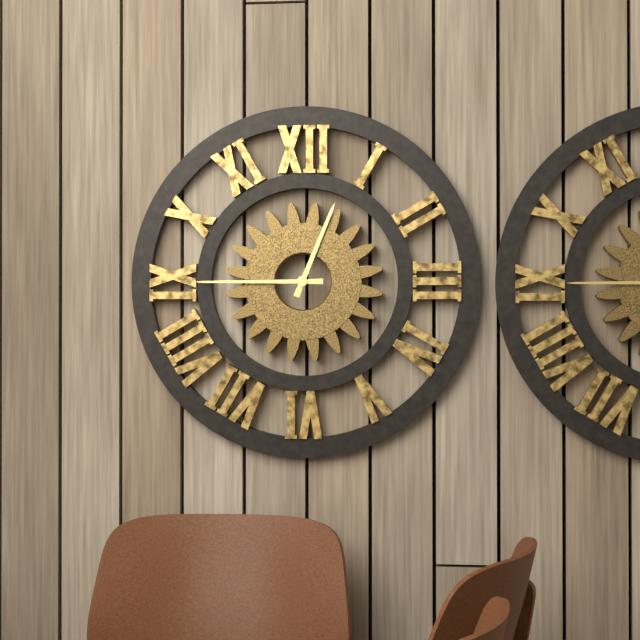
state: 12:45
